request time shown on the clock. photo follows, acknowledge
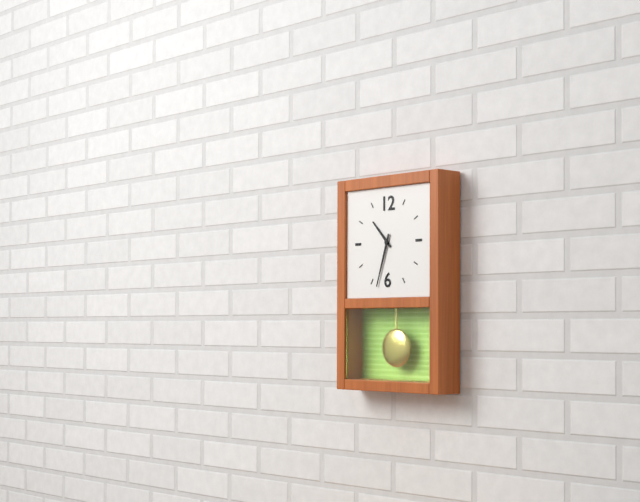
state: 10:33
